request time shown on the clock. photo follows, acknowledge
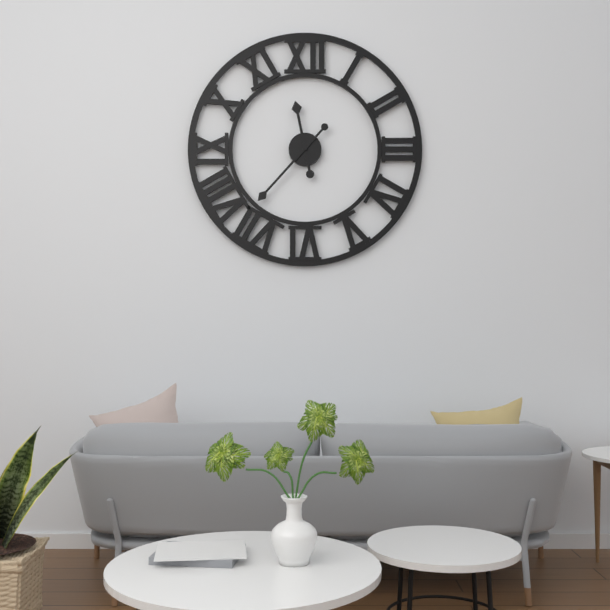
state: 11:37
